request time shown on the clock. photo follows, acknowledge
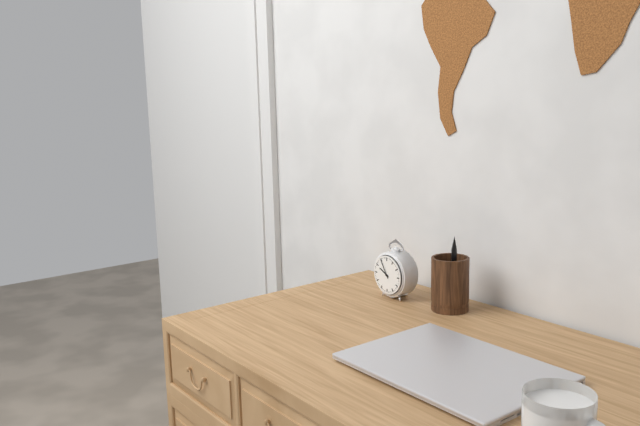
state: 9:55
